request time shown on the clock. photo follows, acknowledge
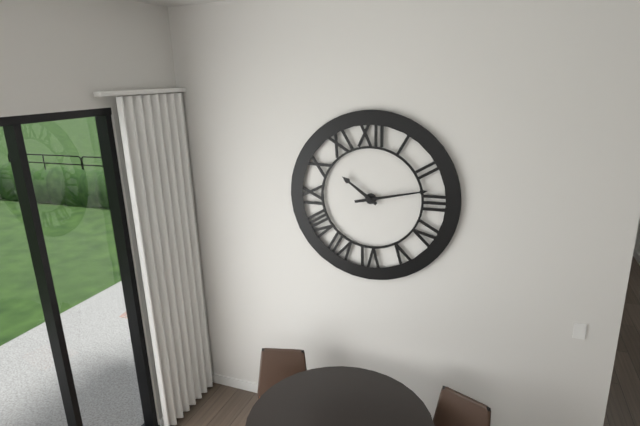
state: 10:13
